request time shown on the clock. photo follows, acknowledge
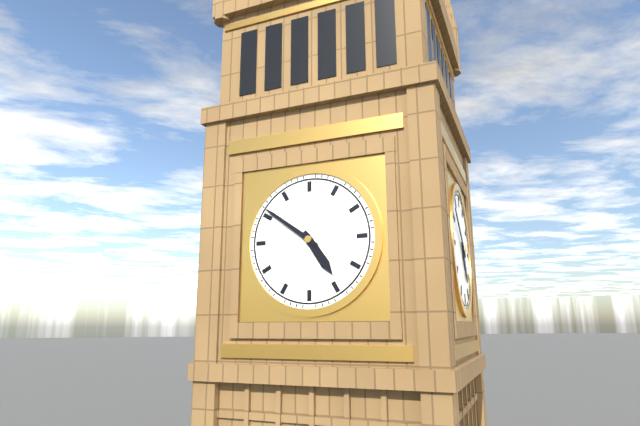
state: 4:51
